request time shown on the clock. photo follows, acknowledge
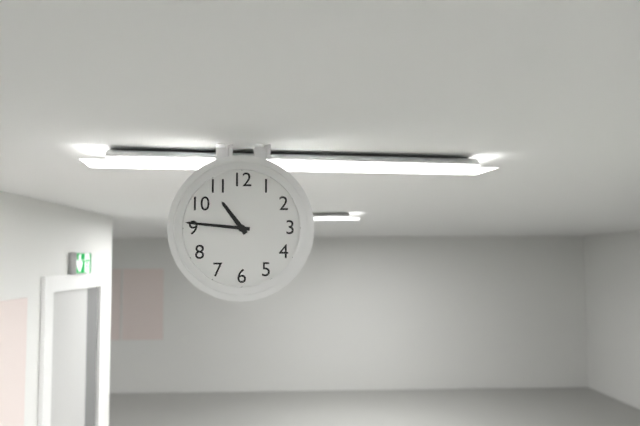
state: 10:46
